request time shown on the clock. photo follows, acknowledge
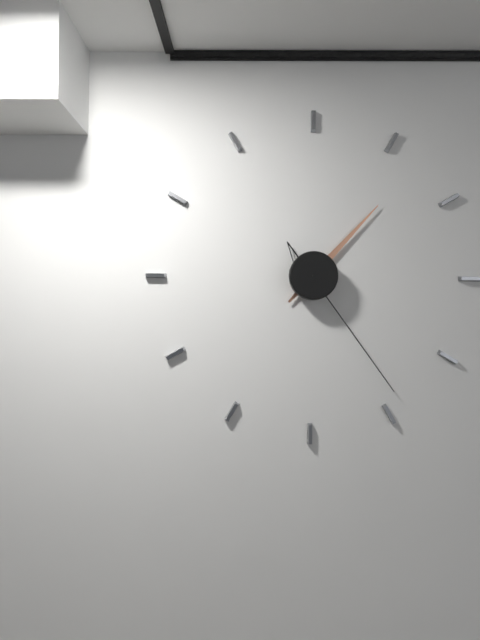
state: 1:24
